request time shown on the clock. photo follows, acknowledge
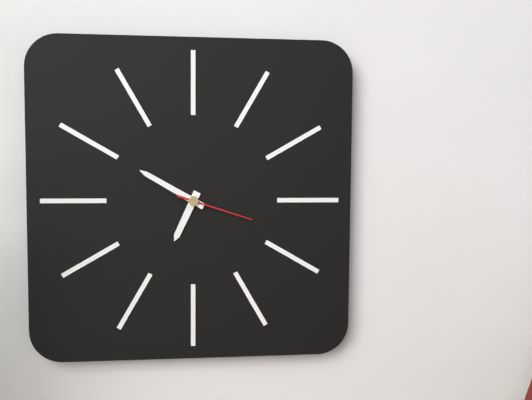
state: 6:50:18
